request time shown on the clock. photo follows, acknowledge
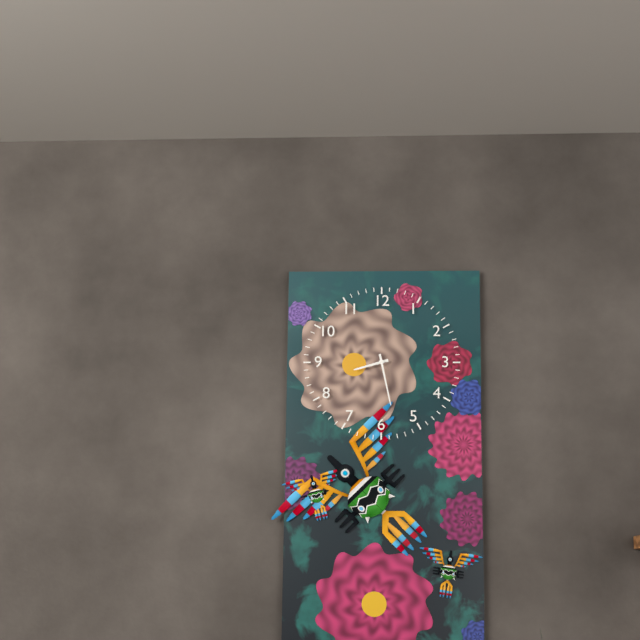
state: 8:28
